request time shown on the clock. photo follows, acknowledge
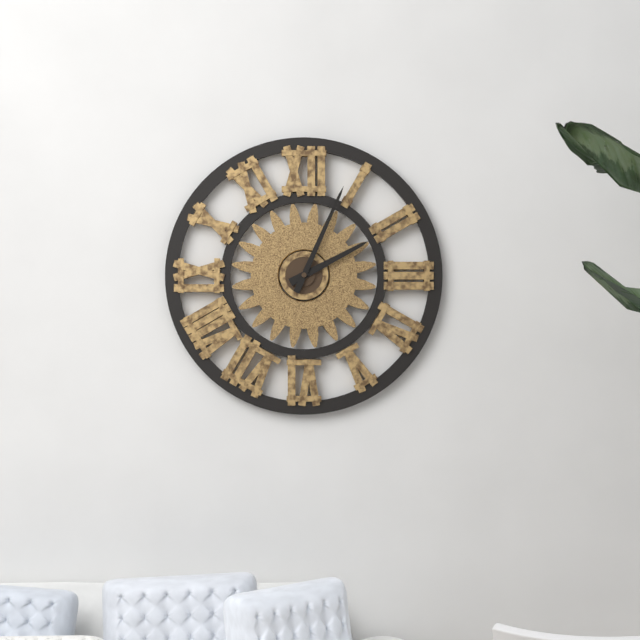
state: 2:04
